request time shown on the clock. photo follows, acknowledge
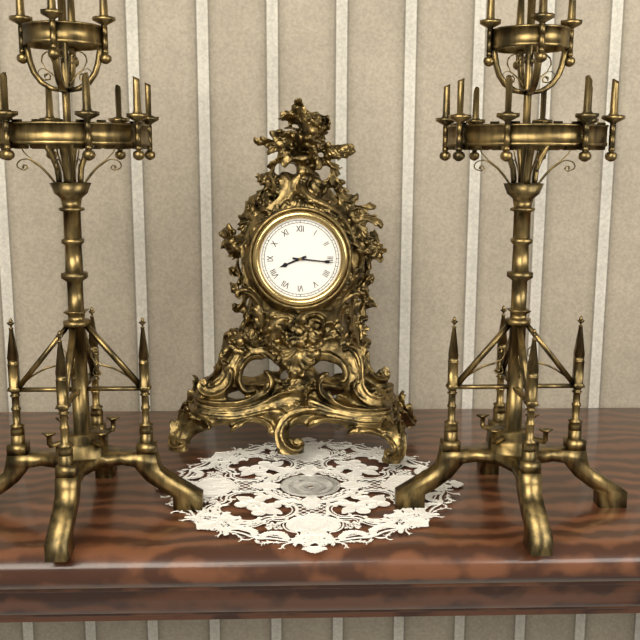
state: 8:16
